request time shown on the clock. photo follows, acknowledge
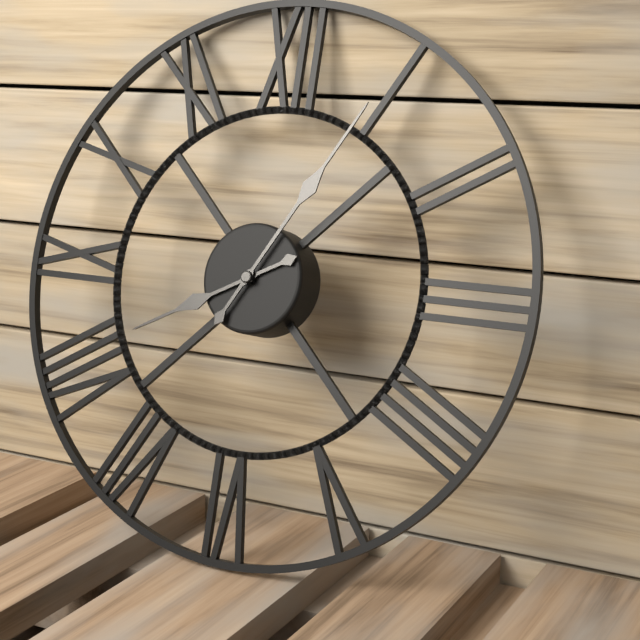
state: 8:05
